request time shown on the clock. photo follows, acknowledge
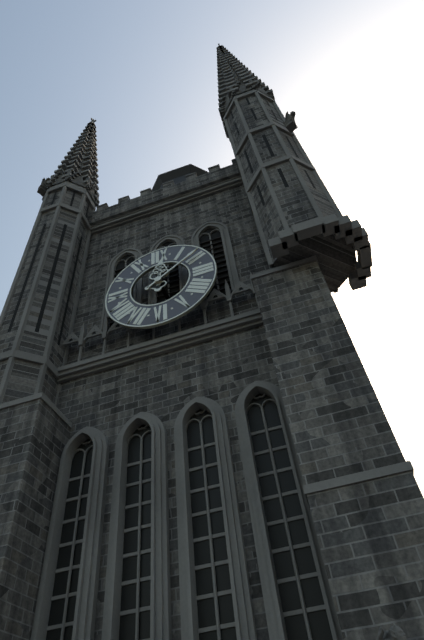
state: 12:09
